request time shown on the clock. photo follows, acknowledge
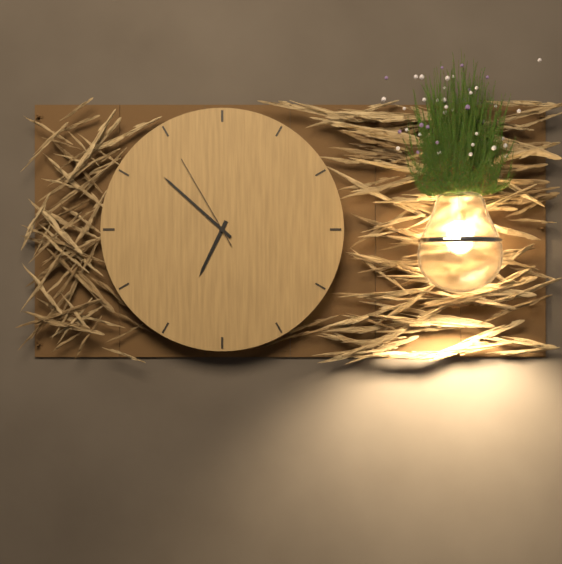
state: 6:52:55
